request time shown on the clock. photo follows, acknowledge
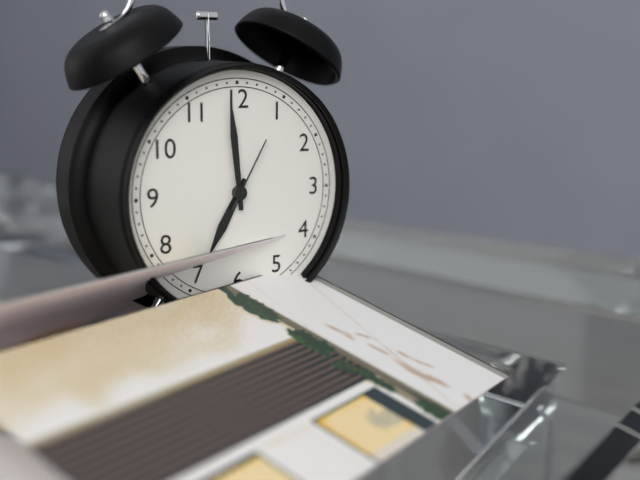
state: 6:59:05
